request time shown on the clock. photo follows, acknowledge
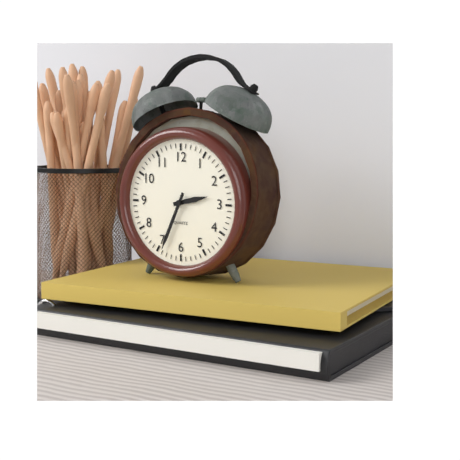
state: 2:34
